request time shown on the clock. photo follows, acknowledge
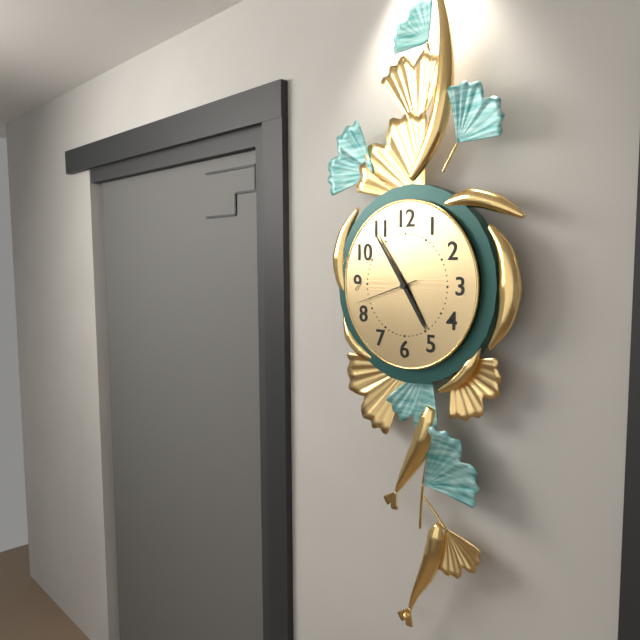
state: 4:54:42
